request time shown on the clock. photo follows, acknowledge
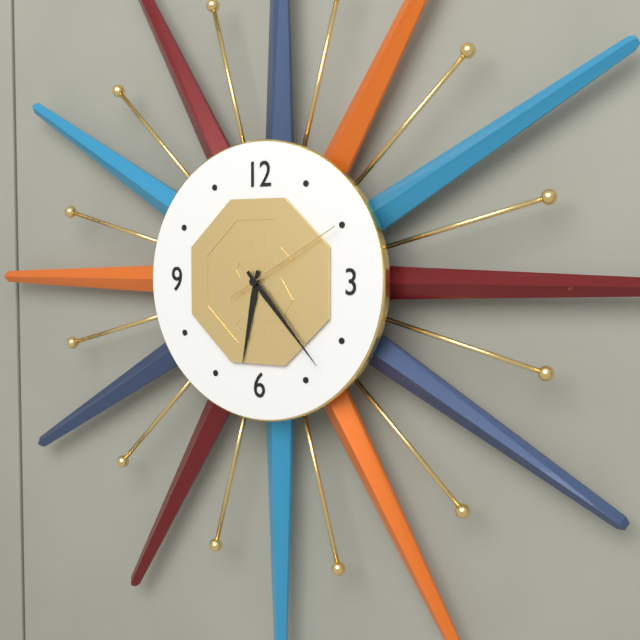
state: 6:23:10
